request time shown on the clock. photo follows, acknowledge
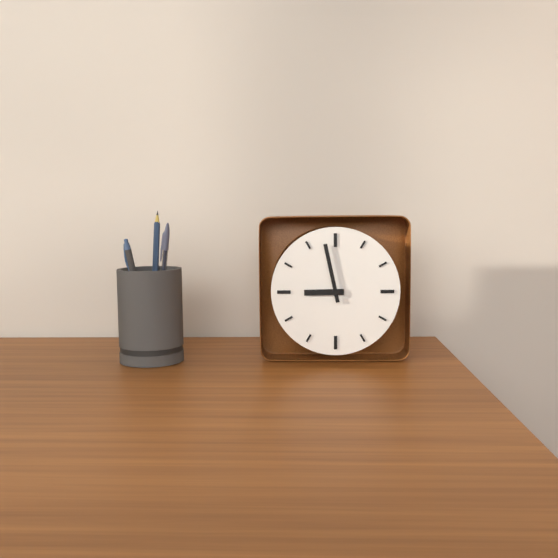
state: 8:58
